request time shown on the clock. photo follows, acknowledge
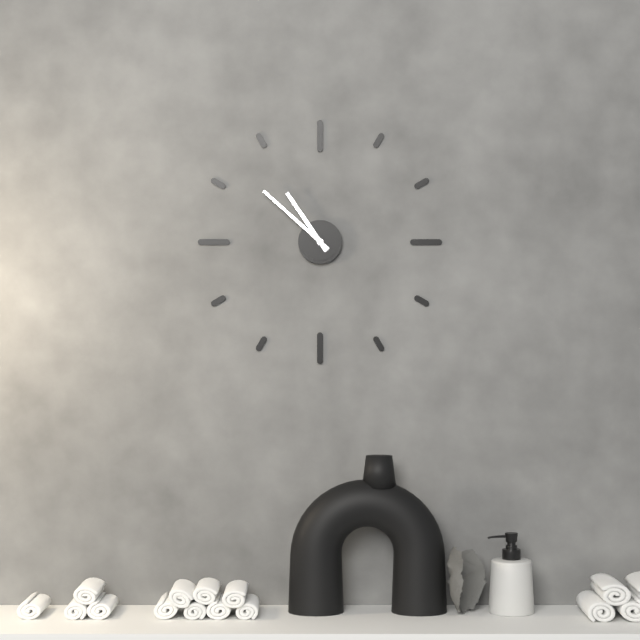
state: 10:52
